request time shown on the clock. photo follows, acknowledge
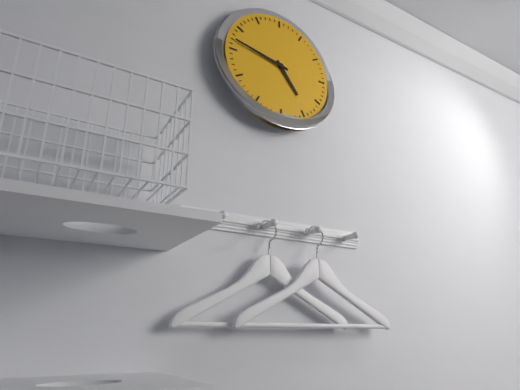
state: 4:47
